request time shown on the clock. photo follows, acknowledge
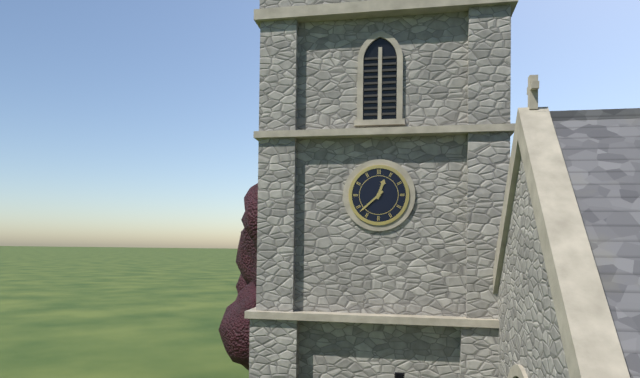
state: 12:38
